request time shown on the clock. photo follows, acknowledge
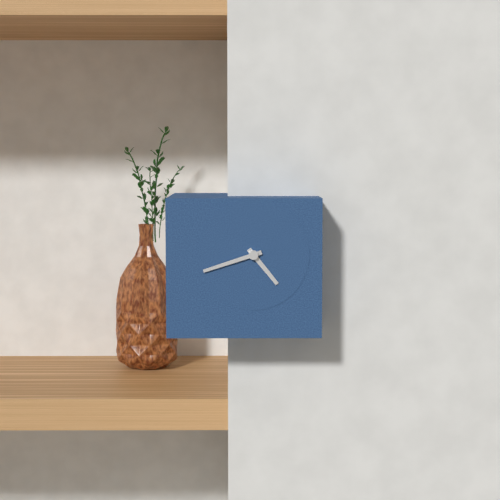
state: 4:42
